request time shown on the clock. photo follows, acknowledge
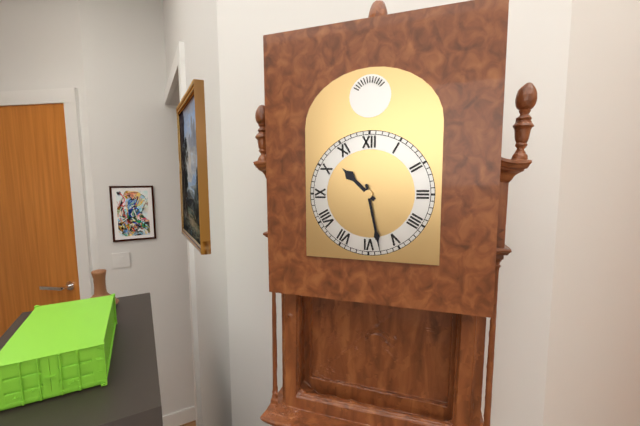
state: 10:28
